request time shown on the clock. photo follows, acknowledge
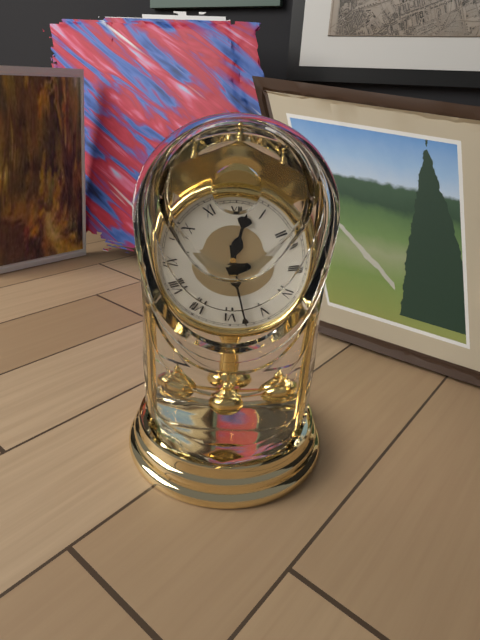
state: 12:28
